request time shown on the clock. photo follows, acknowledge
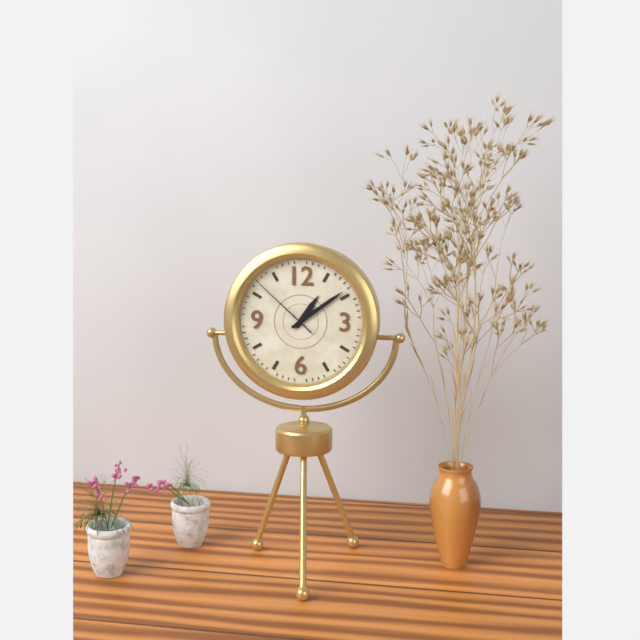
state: 1:09:52
